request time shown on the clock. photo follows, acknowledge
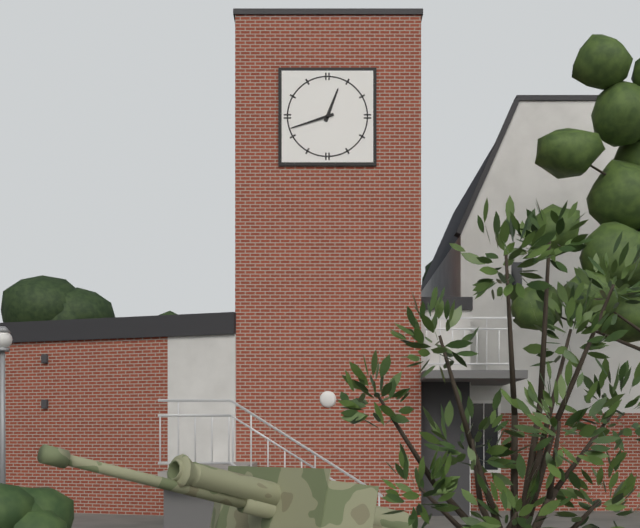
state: 12:42
